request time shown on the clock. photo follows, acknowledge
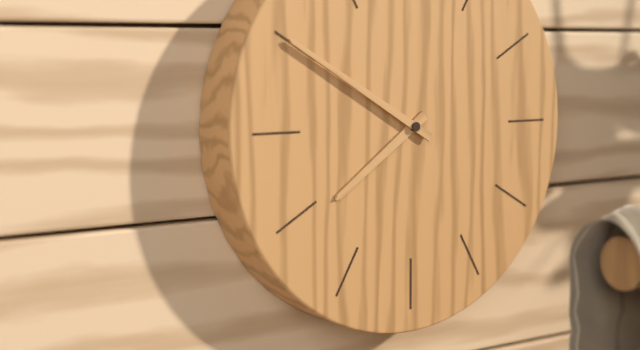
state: 7:50
